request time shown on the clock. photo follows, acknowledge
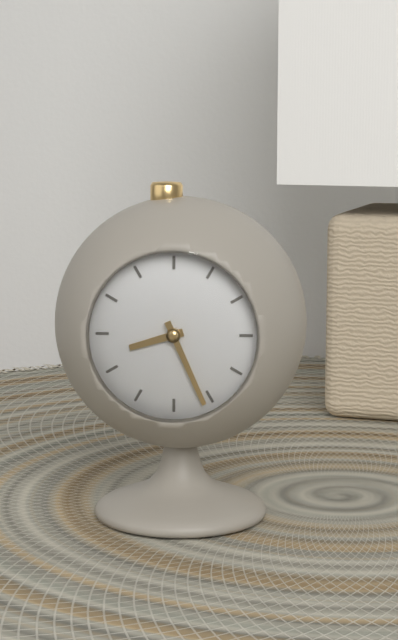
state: 8:26
